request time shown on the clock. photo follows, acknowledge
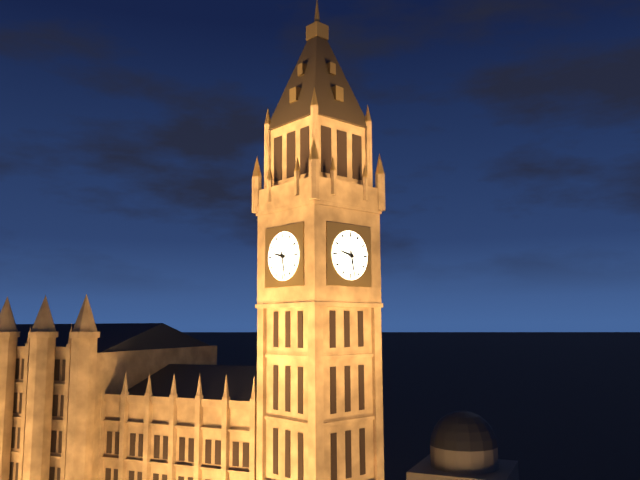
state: 9:28
